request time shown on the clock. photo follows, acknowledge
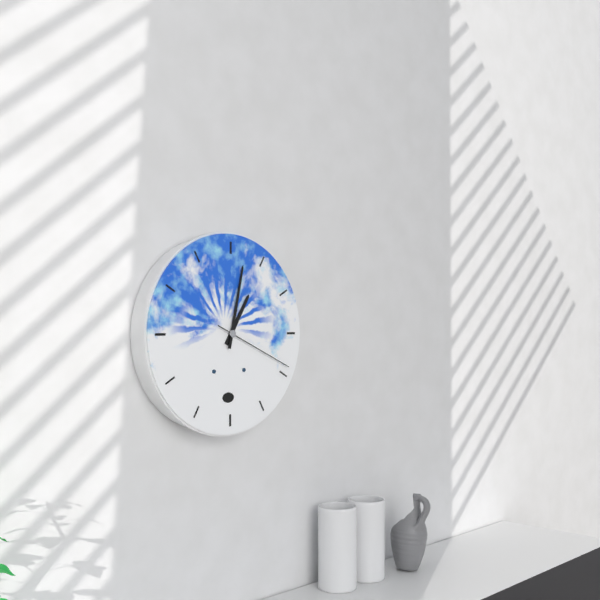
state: 1:02:19
